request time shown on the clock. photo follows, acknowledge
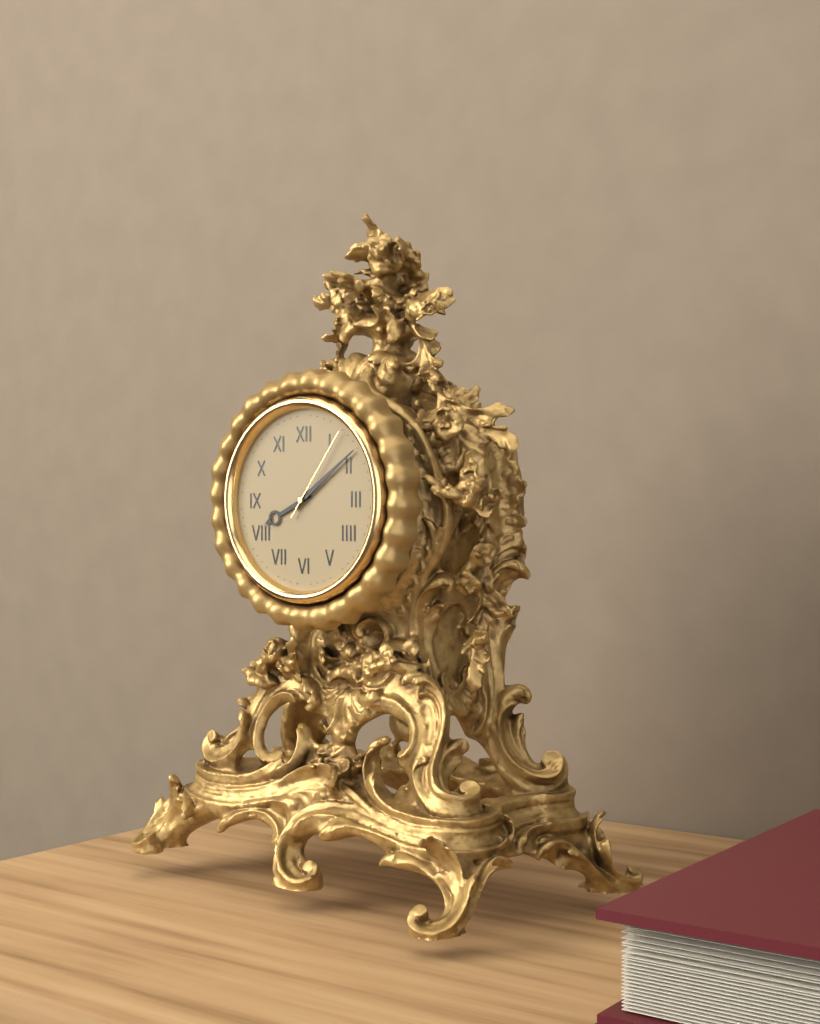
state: 8:09:06
